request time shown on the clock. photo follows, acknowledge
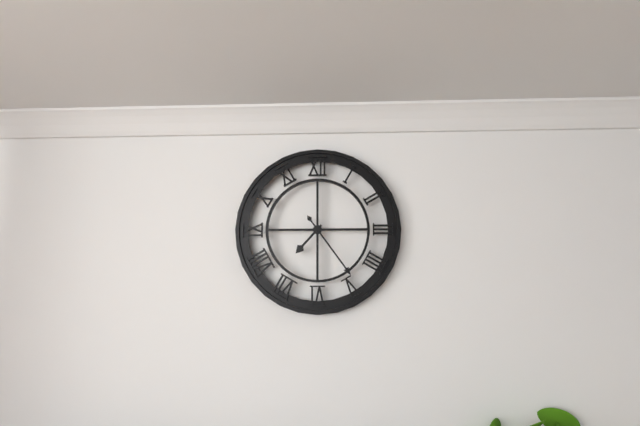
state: 7:24
